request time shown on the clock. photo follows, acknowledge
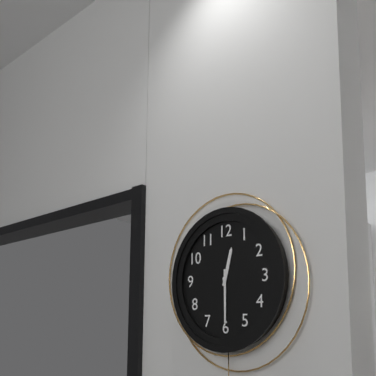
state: 12:30
